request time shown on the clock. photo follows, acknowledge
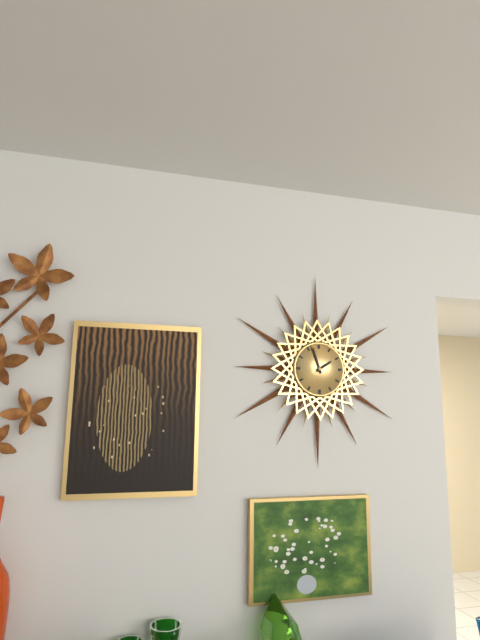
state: 1:57
